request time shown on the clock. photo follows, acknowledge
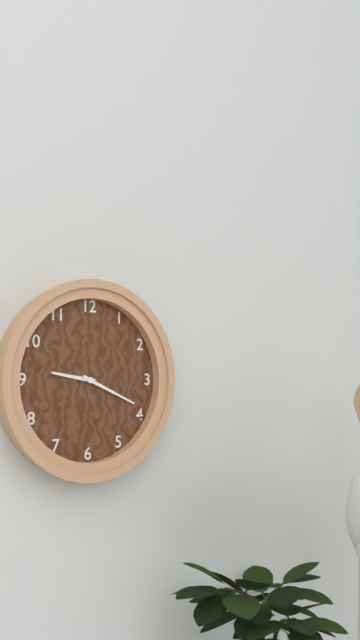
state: 9:19
